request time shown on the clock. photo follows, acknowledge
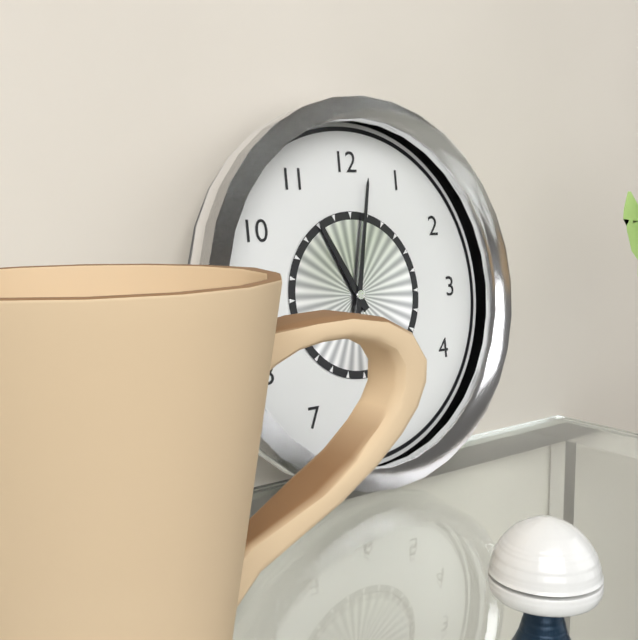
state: 11:02
